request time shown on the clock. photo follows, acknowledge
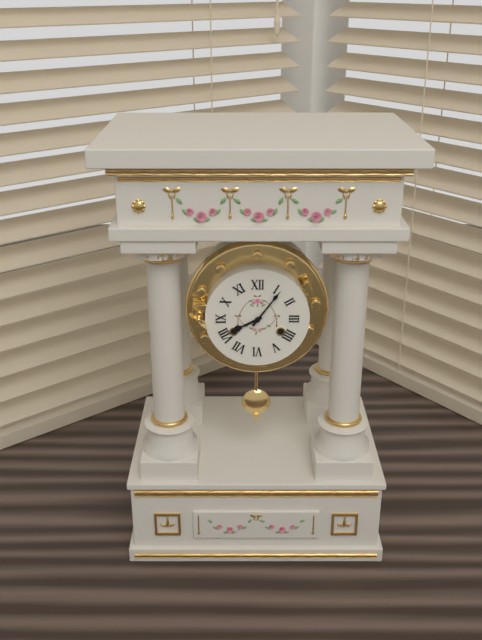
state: 8:06
